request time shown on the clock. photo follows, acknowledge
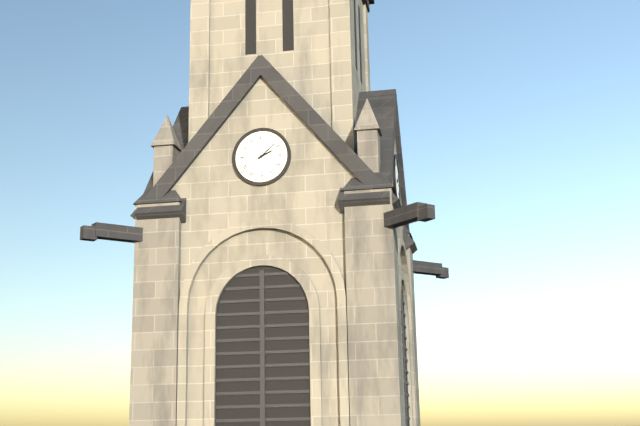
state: 2:08
